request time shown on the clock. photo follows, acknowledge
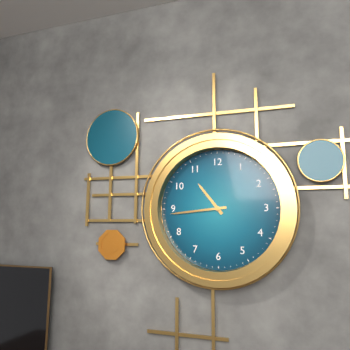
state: 10:44
